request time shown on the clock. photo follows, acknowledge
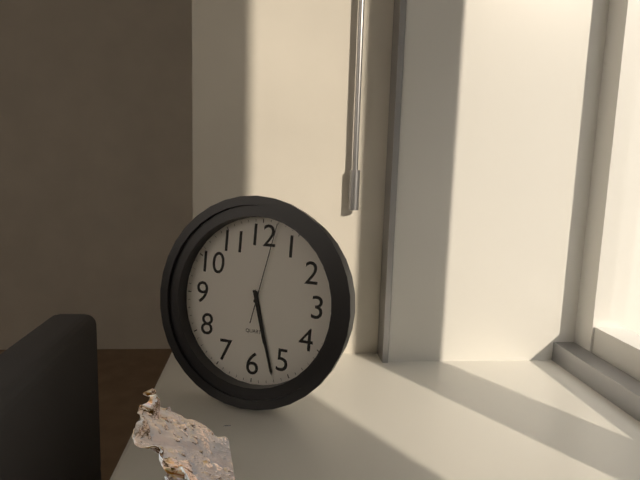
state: 5:27:02
